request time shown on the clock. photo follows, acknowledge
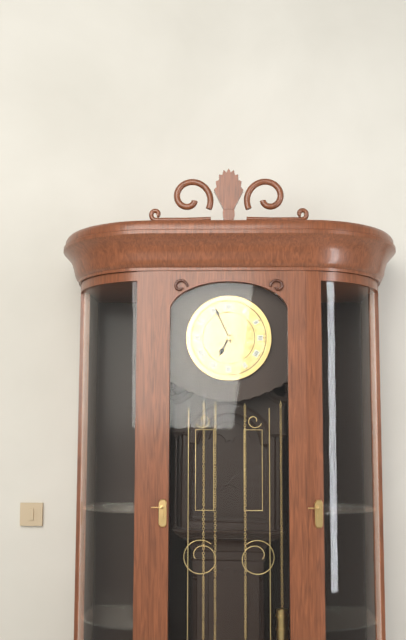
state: 6:56
